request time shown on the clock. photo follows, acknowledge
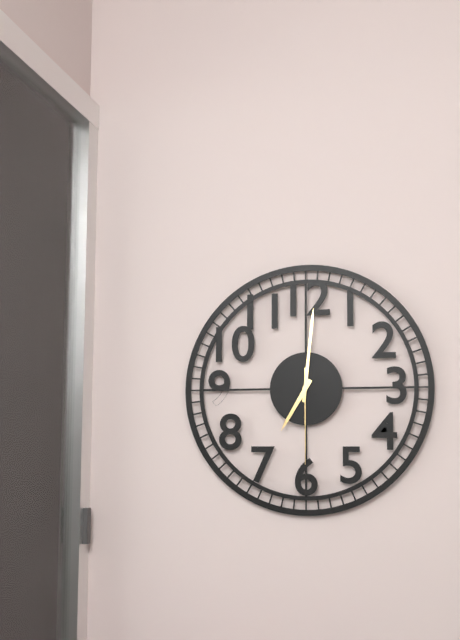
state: 7:01:30
